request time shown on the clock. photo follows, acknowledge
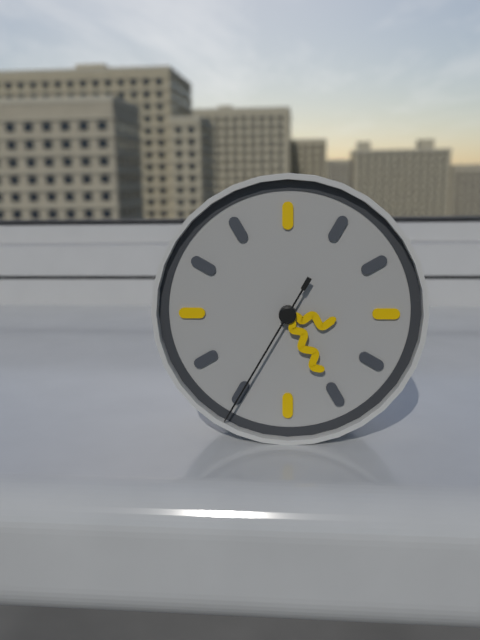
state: 3:25:35
